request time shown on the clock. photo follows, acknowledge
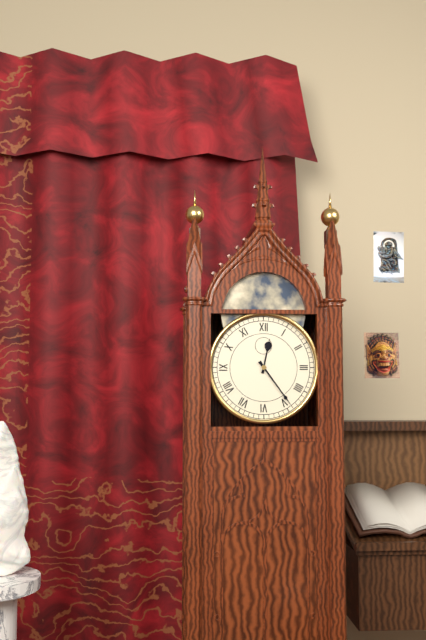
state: 12:24
